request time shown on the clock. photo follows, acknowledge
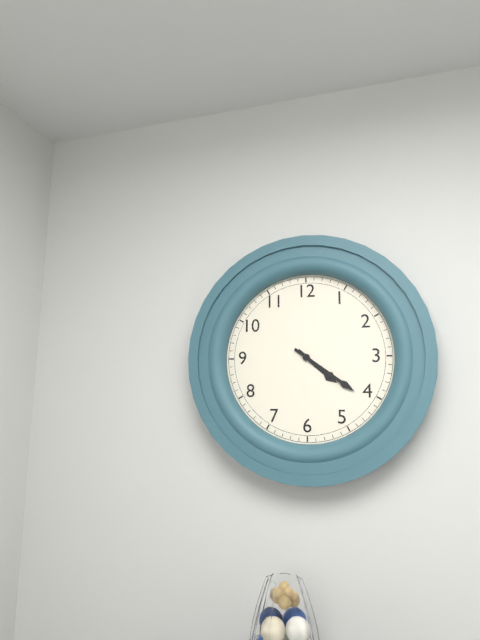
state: 4:21
